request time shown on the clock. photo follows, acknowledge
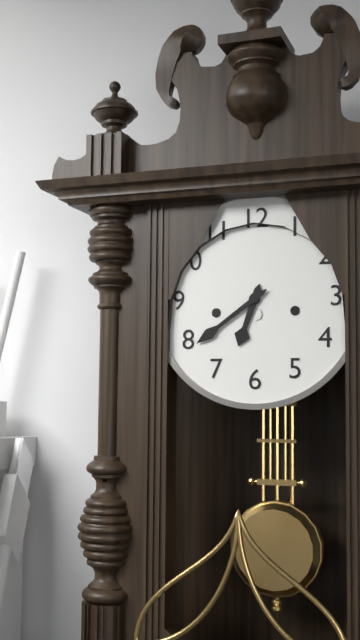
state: 6:39
